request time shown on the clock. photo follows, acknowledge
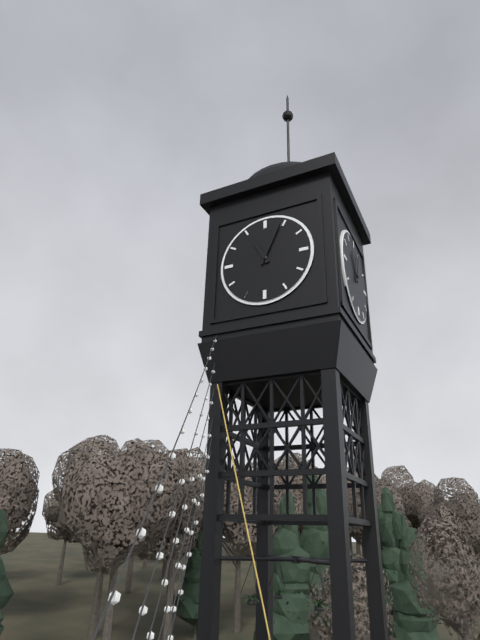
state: 11:04
